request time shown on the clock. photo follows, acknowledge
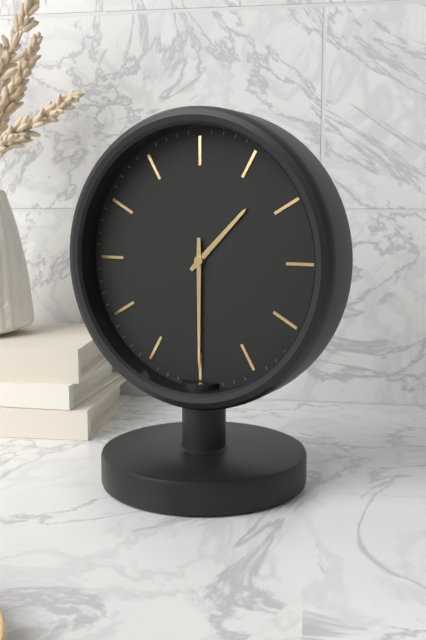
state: 1:30
